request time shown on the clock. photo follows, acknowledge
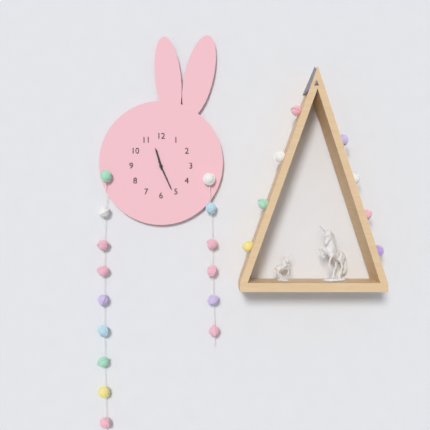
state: 11:26
